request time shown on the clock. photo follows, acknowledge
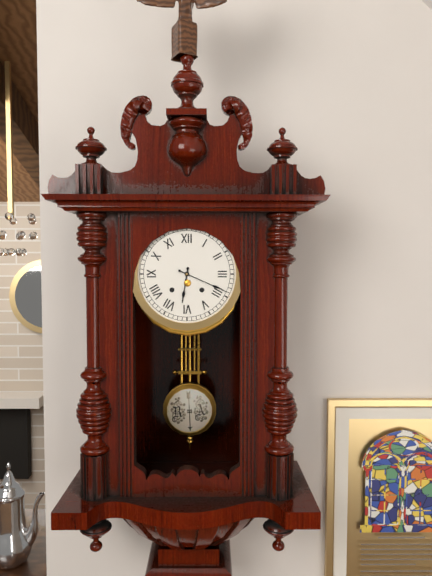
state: 6:19
